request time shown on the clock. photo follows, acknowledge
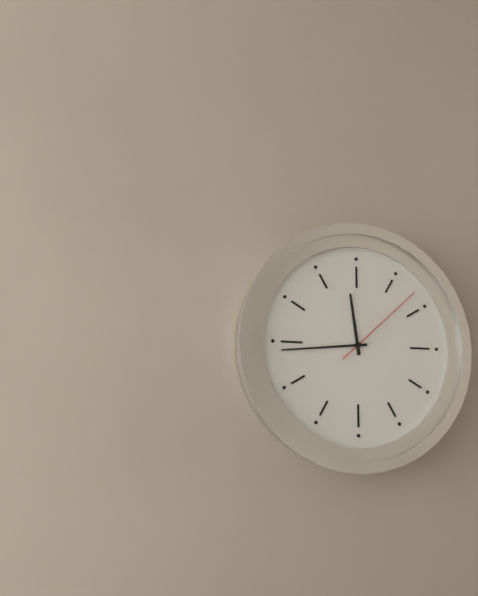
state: 11:44:08
